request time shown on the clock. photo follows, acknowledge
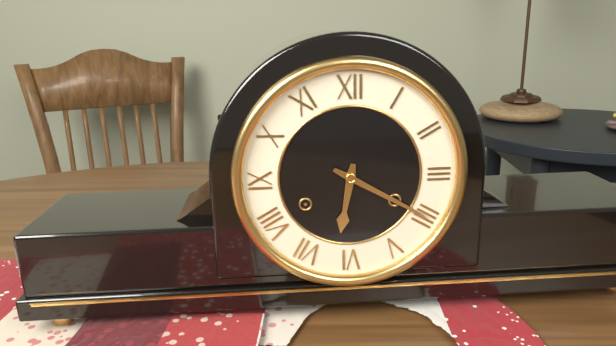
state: 6:20
